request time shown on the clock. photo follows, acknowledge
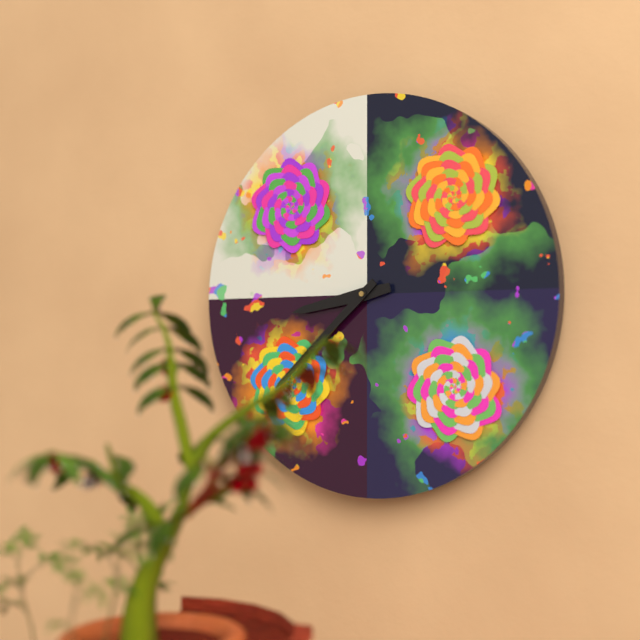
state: 8:38
